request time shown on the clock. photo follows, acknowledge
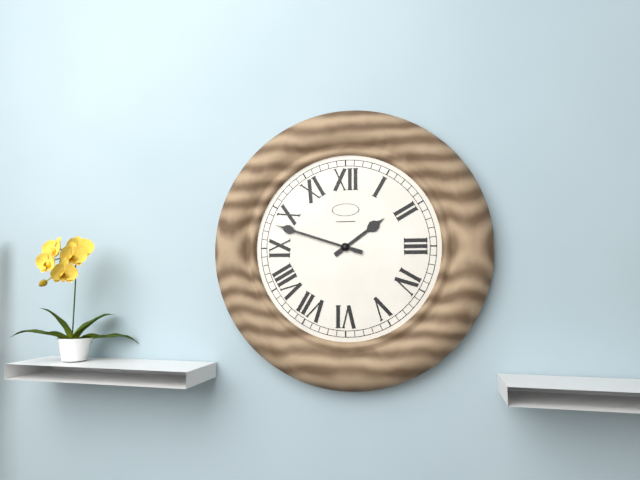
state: 1:48
